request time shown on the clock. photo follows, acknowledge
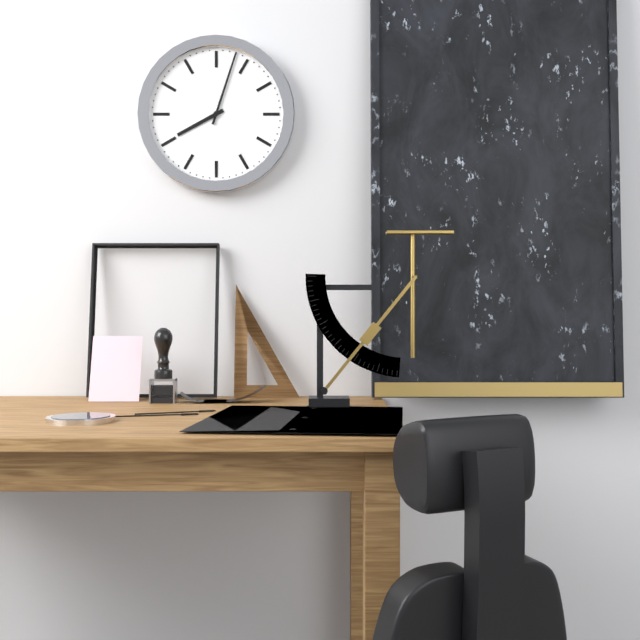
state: 8:03
